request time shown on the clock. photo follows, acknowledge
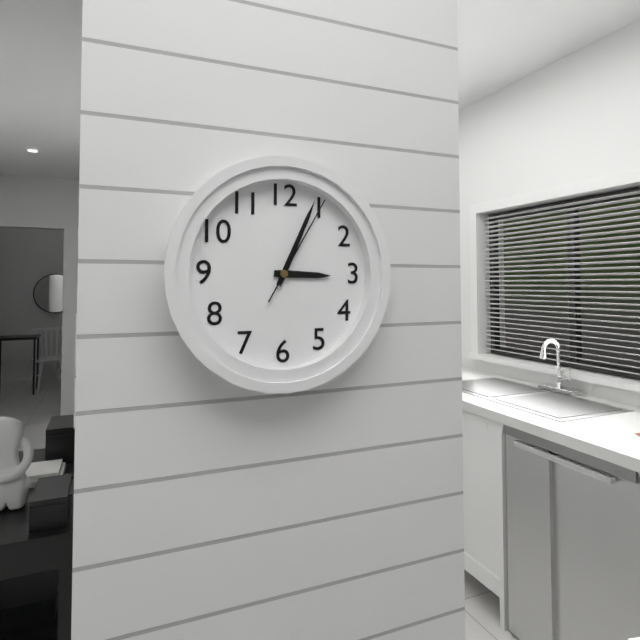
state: 3:04:05
